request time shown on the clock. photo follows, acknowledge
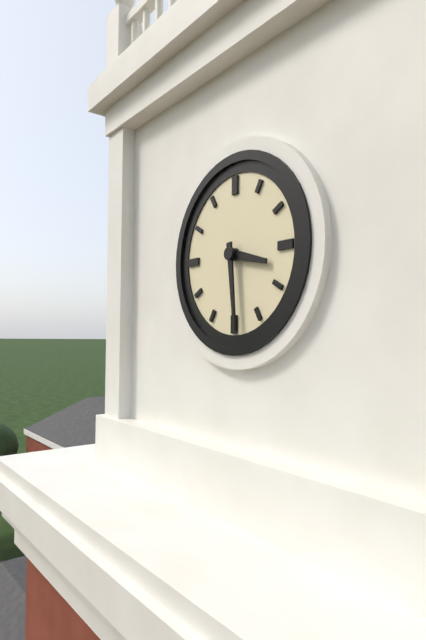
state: 3:29
